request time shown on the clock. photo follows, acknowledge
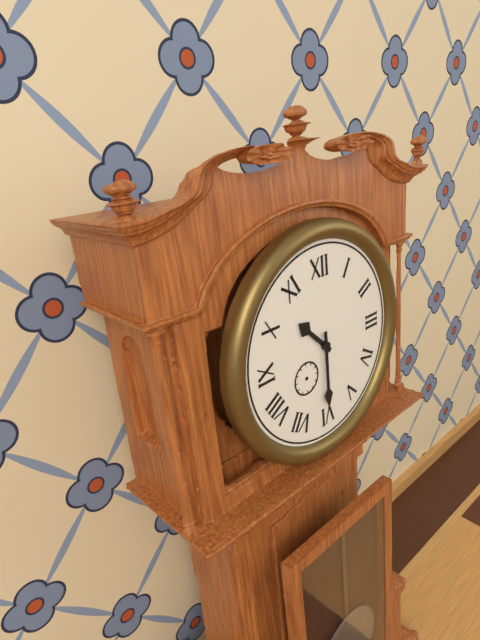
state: 10:30
